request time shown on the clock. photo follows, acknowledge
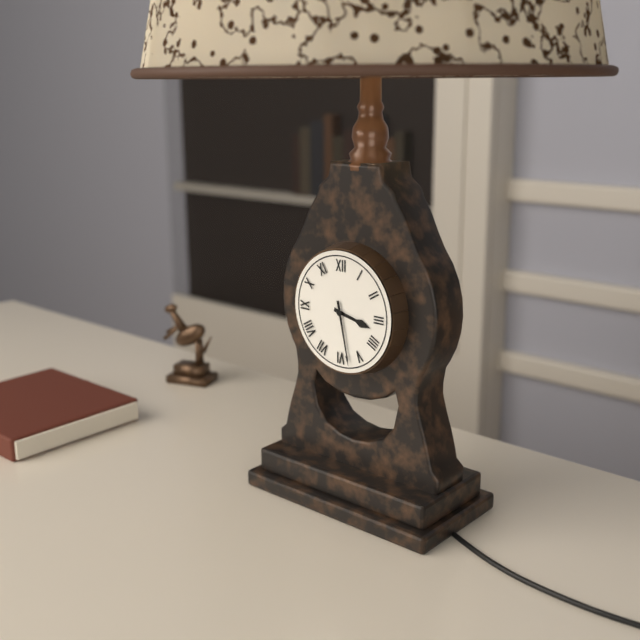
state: 3:28
